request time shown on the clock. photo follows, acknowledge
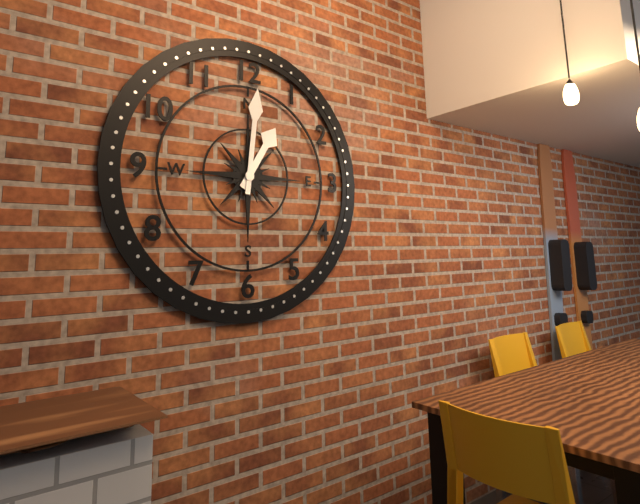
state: 1:01
